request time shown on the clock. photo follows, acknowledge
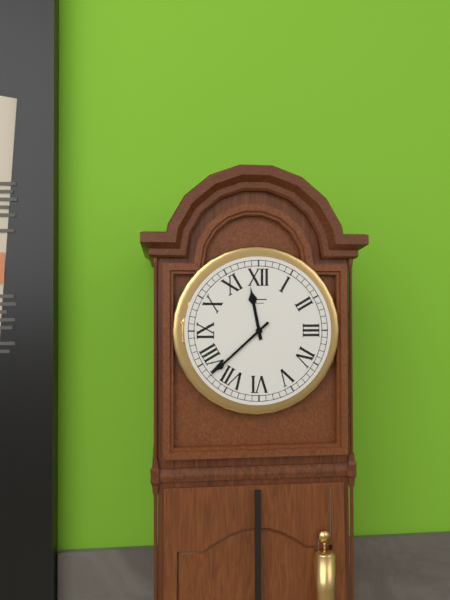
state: 11:38
